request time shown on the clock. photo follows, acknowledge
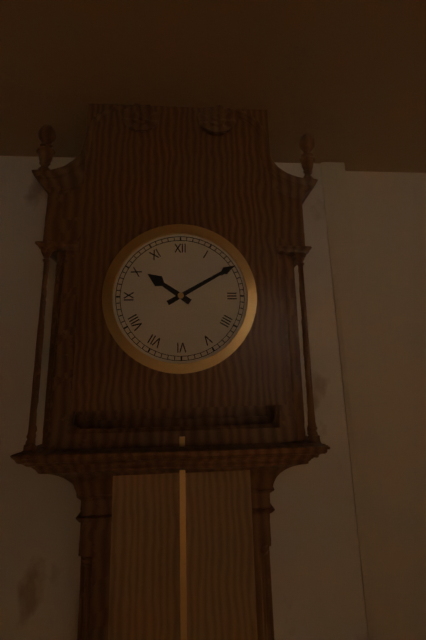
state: 10:10
